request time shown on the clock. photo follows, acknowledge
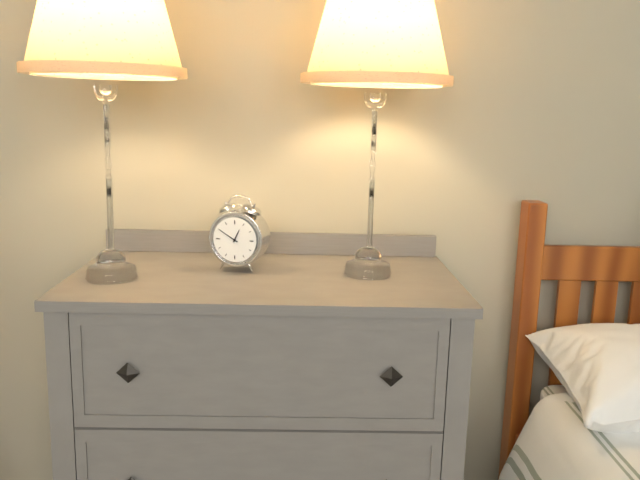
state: 12:50
